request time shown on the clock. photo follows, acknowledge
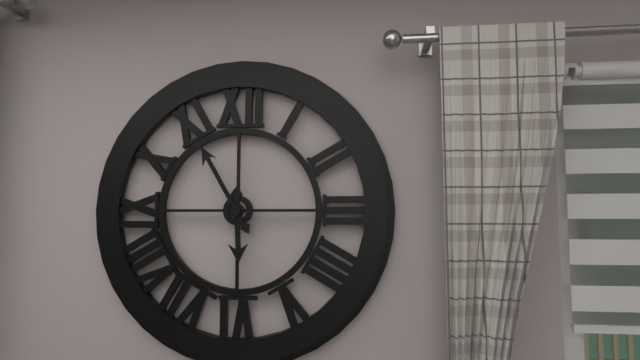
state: 5:55
